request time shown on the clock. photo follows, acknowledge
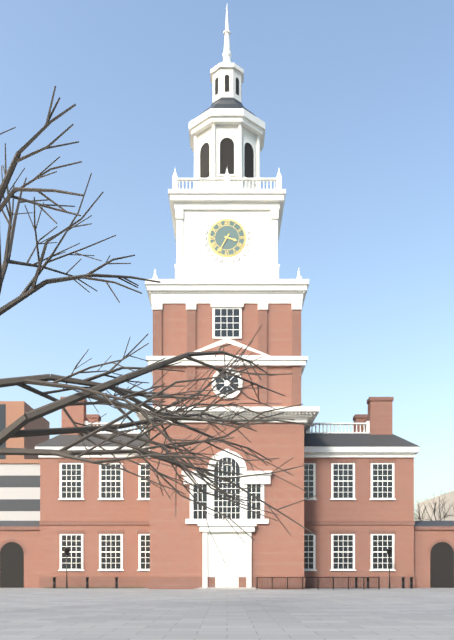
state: 3:35
